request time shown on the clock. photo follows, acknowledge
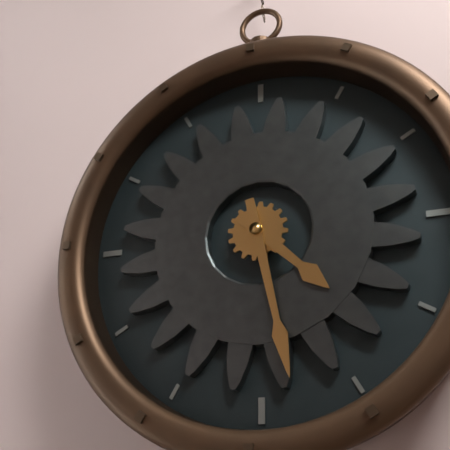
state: 4:28
